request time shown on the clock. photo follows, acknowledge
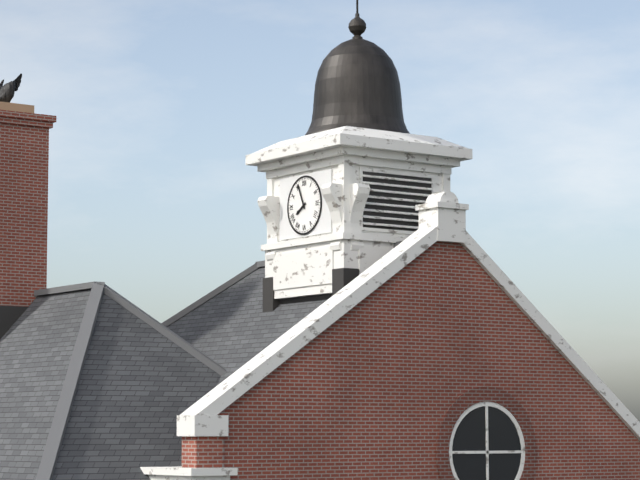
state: 7:56
